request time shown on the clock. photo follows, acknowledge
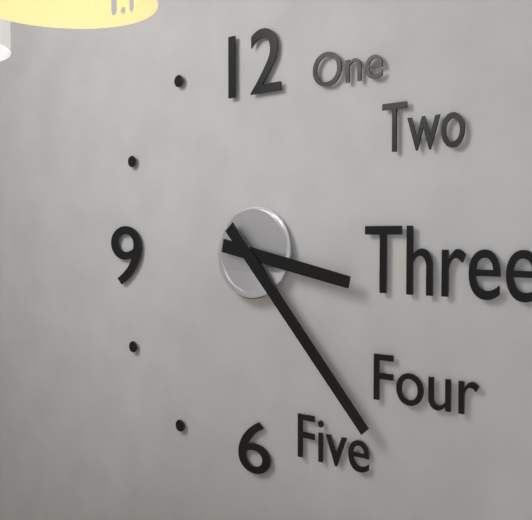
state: 3:23
